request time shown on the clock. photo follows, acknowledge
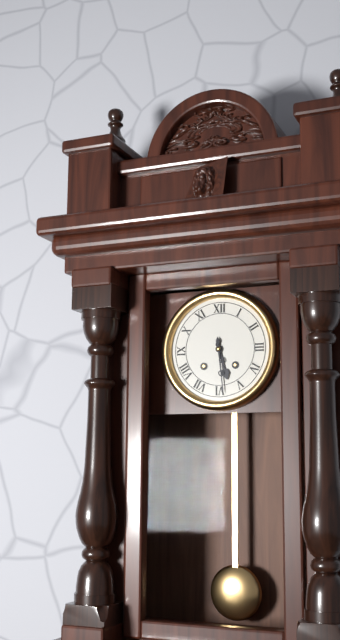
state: 5:29
